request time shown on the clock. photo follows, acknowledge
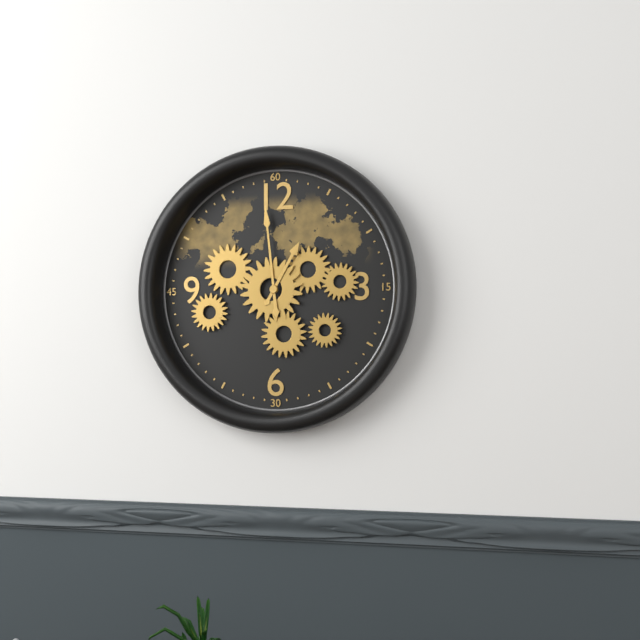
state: 12:59
